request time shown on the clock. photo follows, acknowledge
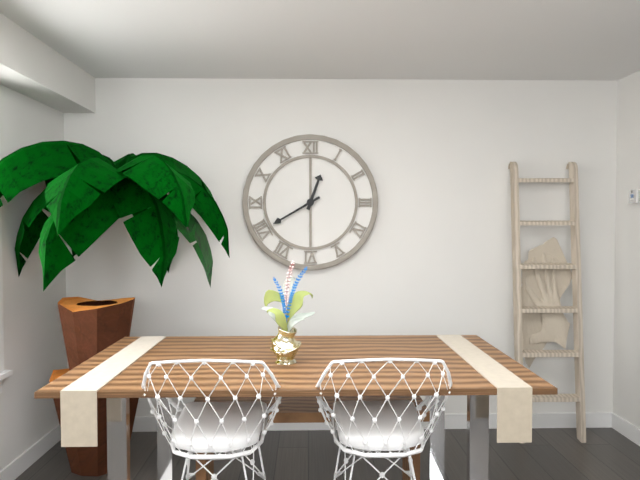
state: 12:40
